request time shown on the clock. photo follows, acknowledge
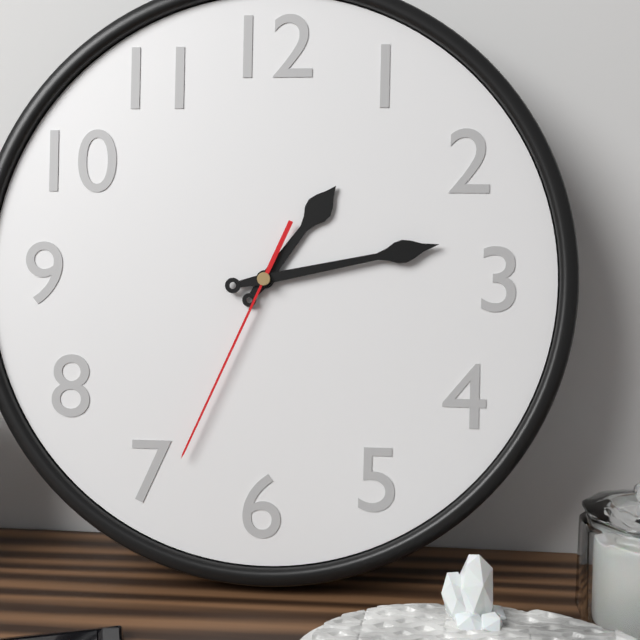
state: 1:13:34
